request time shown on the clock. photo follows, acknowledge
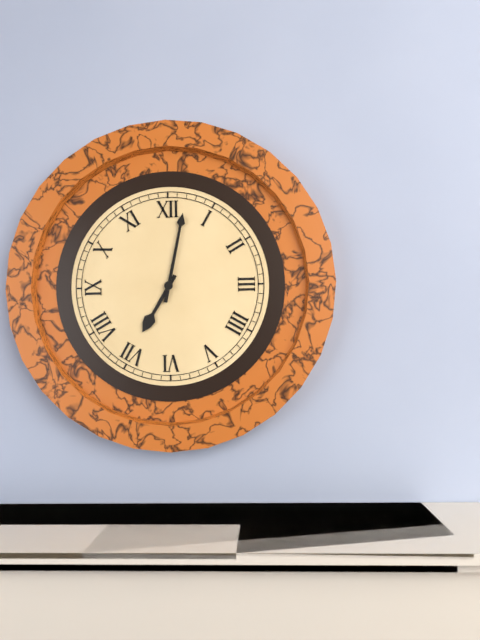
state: 7:02
